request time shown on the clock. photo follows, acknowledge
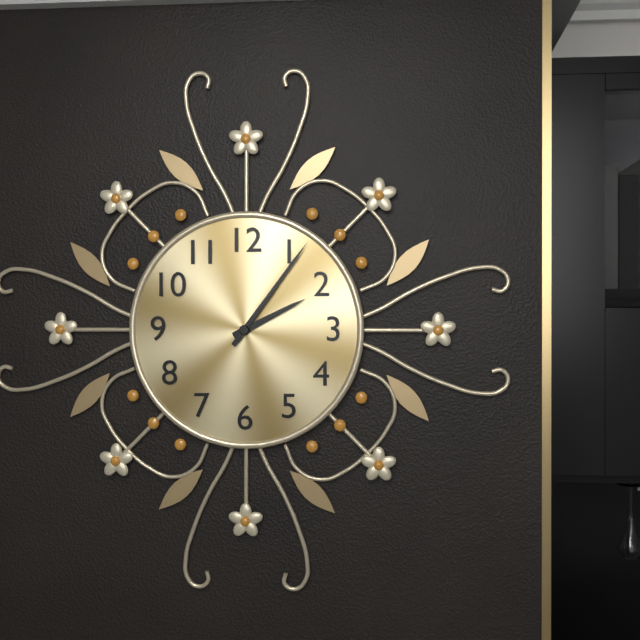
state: 2:06
